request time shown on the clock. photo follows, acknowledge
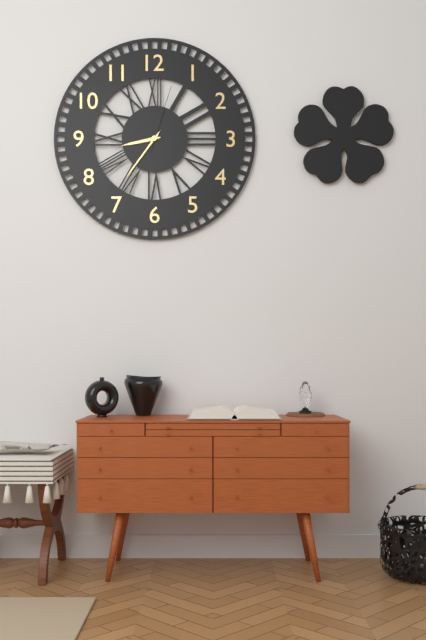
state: 8:36:03
